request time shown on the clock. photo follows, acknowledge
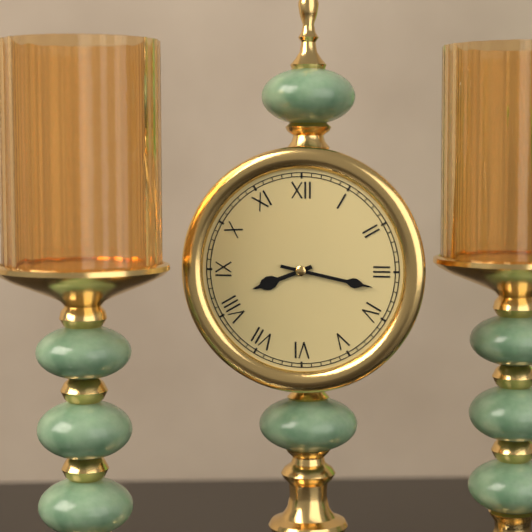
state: 8:17
